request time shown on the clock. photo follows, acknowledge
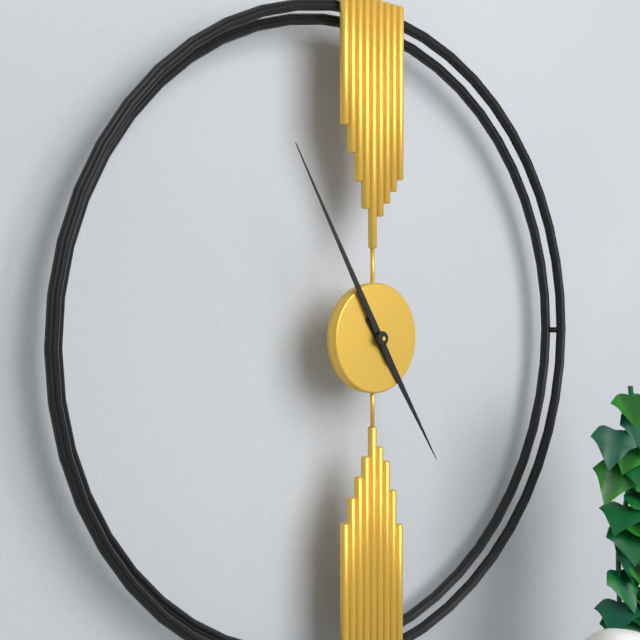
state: 4:55
